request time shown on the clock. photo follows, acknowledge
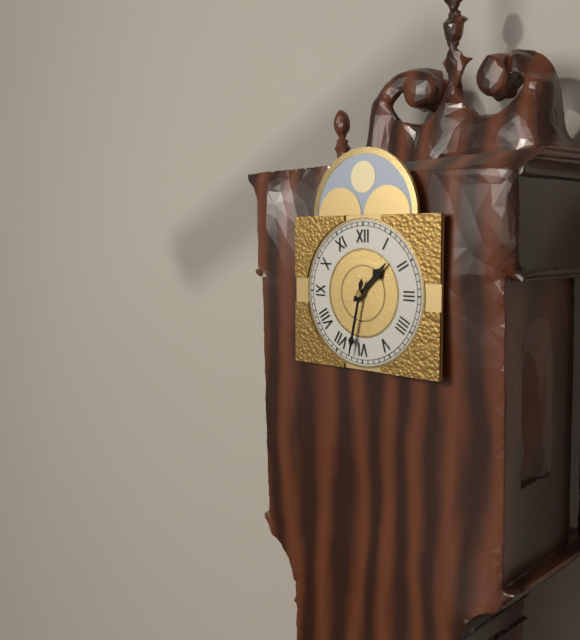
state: 1:32
